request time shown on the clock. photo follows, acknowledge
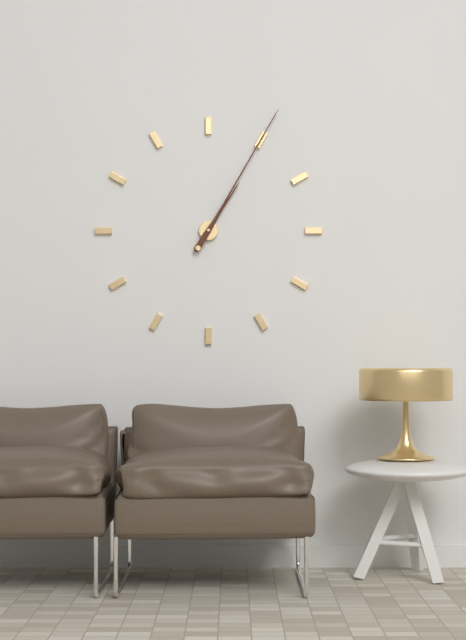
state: 1:05
